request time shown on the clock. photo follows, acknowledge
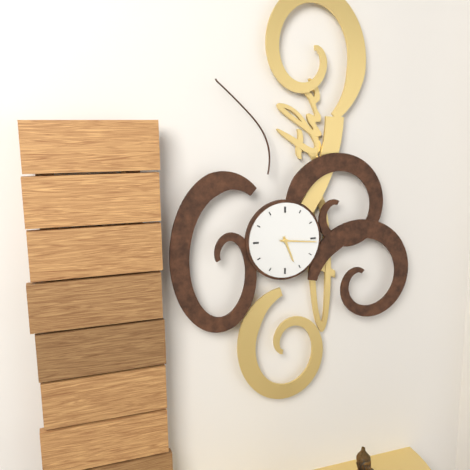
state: 5:16
